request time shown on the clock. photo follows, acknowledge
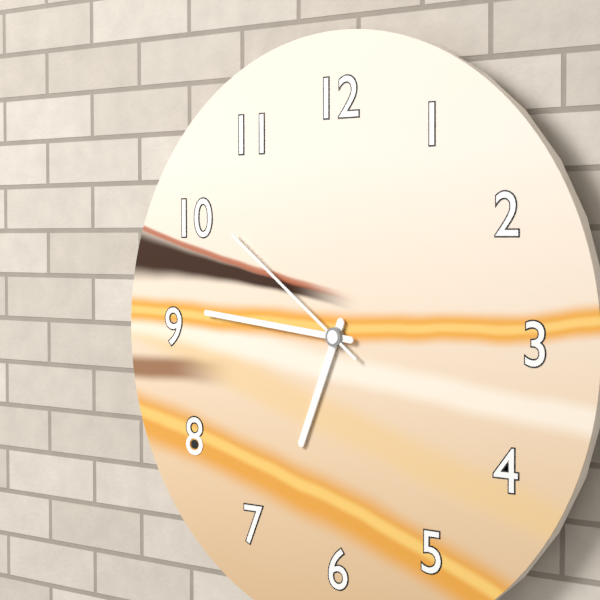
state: 6:46:51
